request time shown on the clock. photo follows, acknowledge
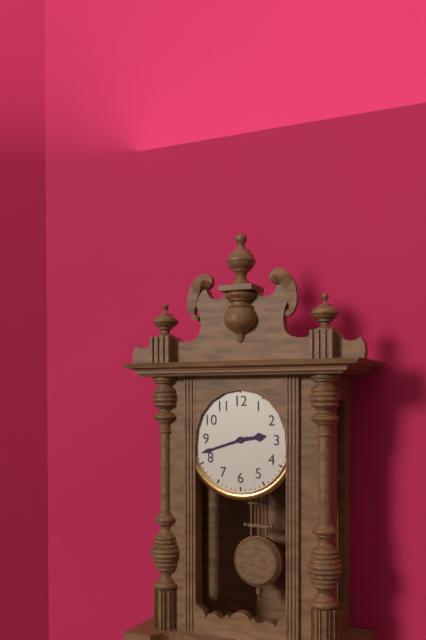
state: 2:42
